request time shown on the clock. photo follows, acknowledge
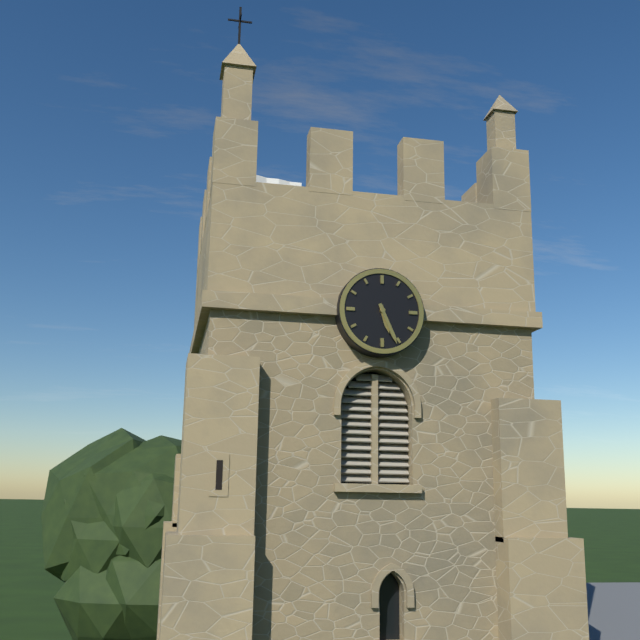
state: 5:26
